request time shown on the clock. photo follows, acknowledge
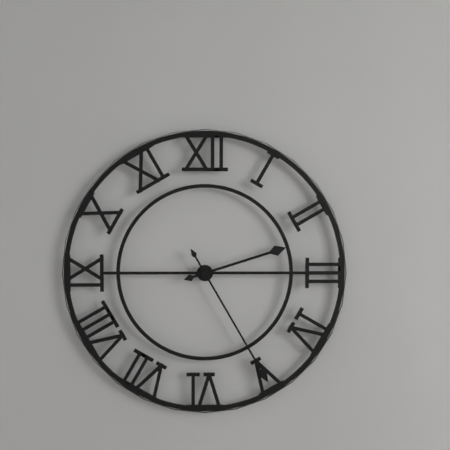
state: 2:25
